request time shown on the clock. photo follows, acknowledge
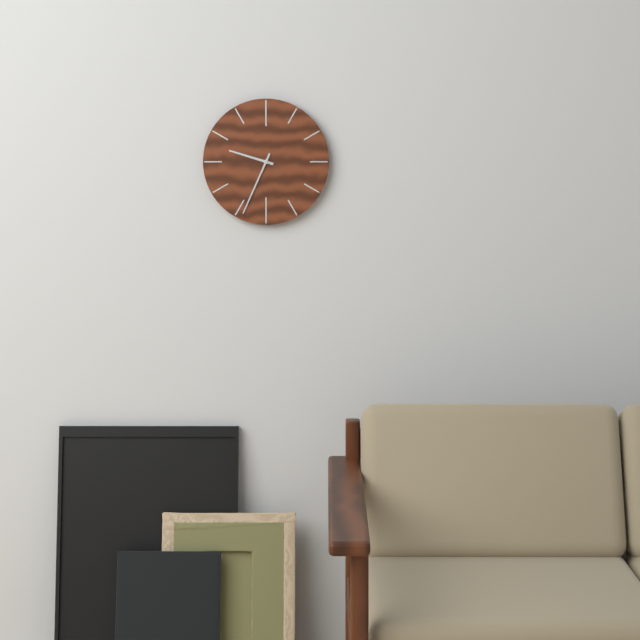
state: 9:34
